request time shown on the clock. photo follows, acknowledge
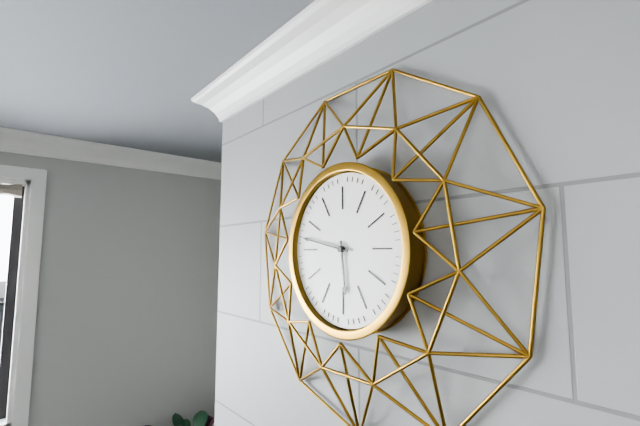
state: 5:47
